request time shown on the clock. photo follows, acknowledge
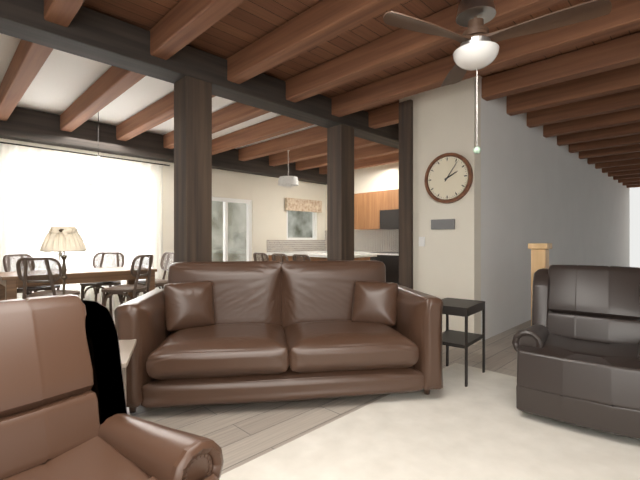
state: 2:06
